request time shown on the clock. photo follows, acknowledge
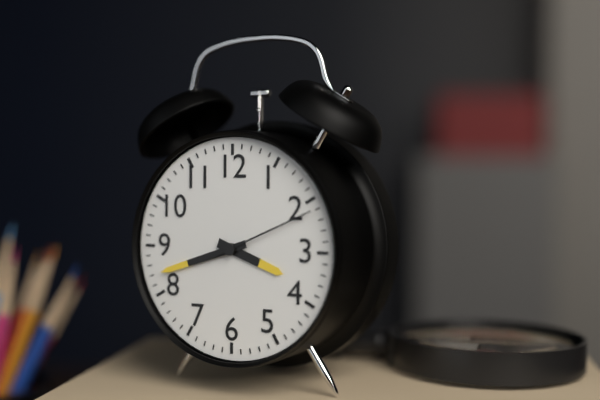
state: 3:42:11
